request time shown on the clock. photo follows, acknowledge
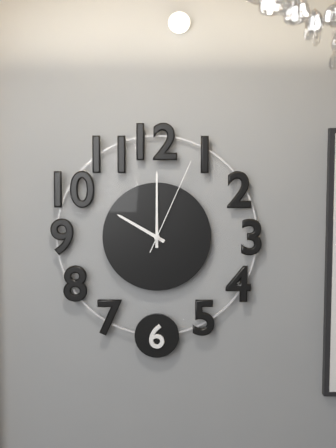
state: 10:00:04
